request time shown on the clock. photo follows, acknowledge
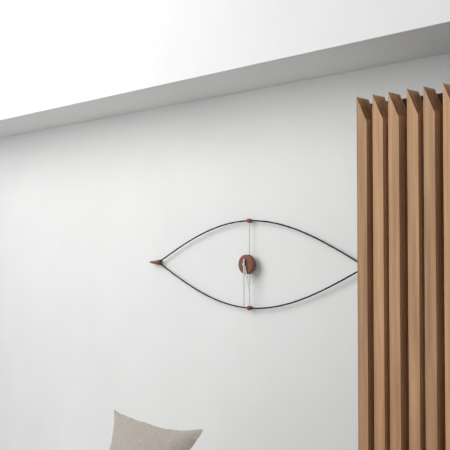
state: 5:30
